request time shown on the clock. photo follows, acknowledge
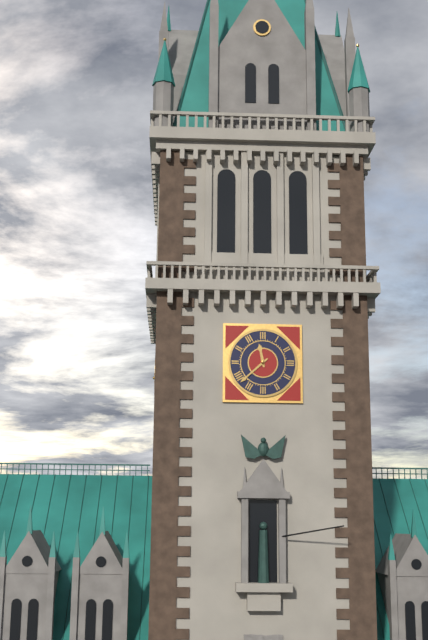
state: 11:38
